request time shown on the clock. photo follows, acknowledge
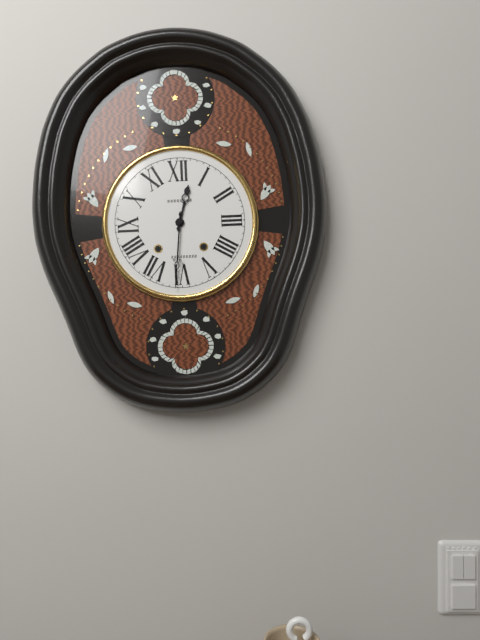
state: 12:31
